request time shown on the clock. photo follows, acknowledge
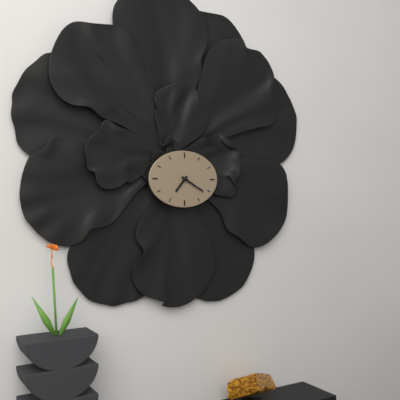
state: 7:20
